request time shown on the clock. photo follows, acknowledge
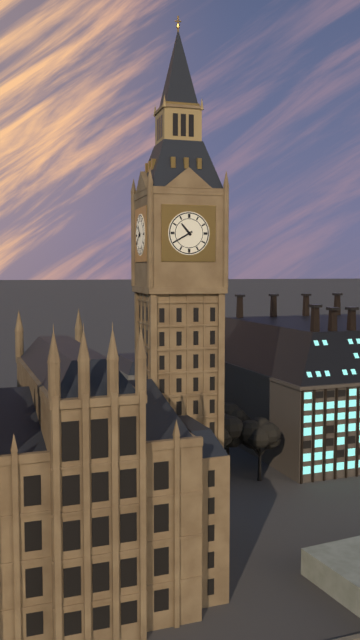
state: 10:40
